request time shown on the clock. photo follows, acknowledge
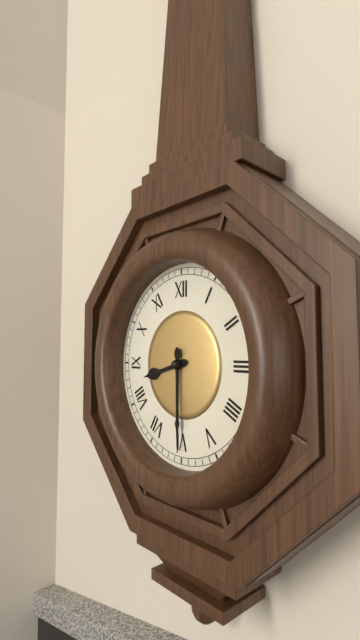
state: 8:30
